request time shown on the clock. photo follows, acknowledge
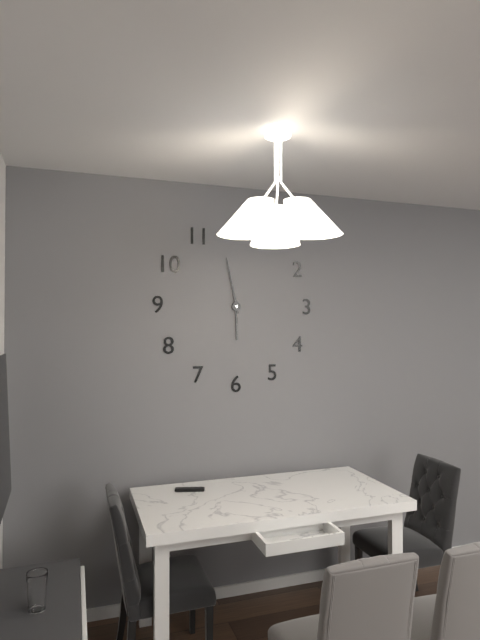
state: 5:58
